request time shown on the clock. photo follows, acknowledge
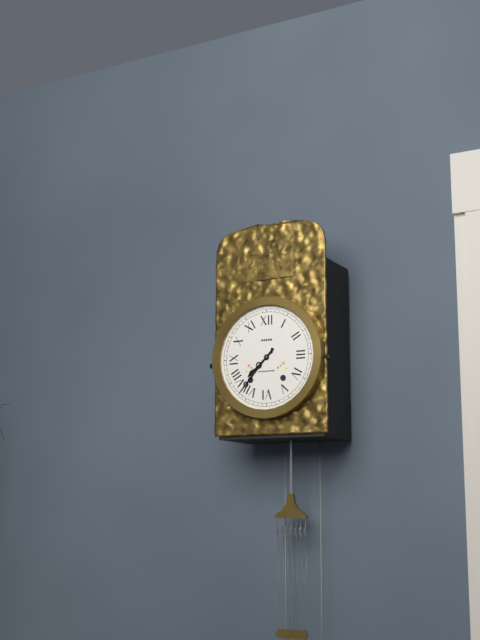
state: 7:37
